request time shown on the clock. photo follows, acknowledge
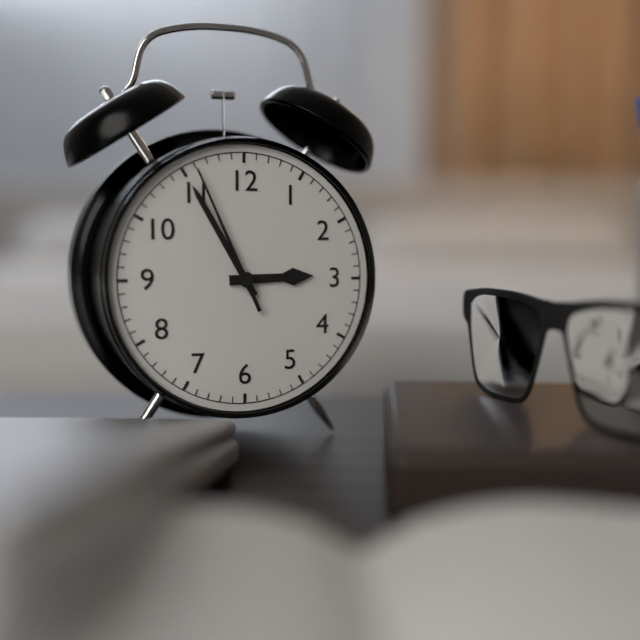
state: 2:55:56
